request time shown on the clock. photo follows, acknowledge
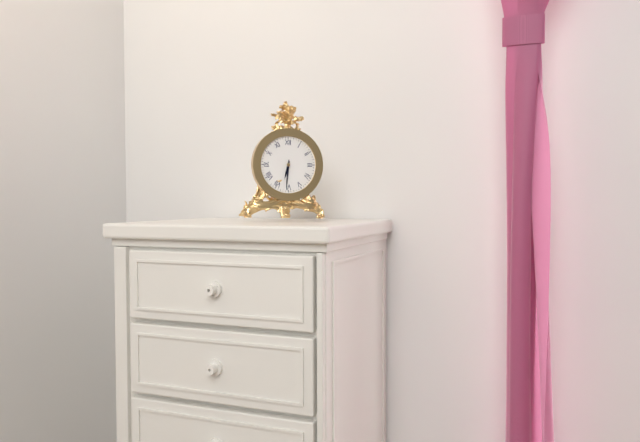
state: 6:31
